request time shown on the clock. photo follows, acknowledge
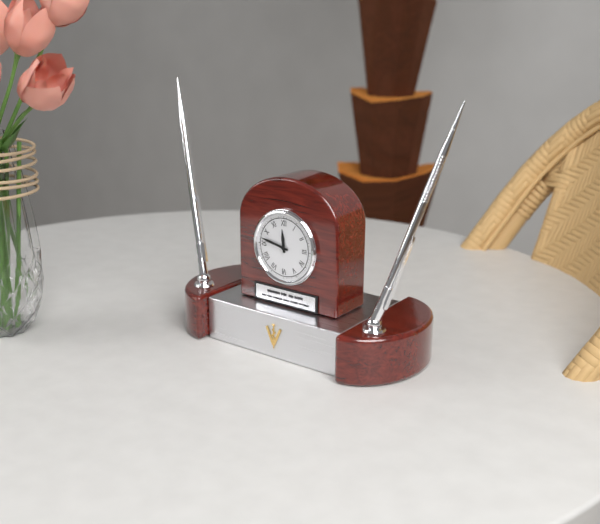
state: 11:47
